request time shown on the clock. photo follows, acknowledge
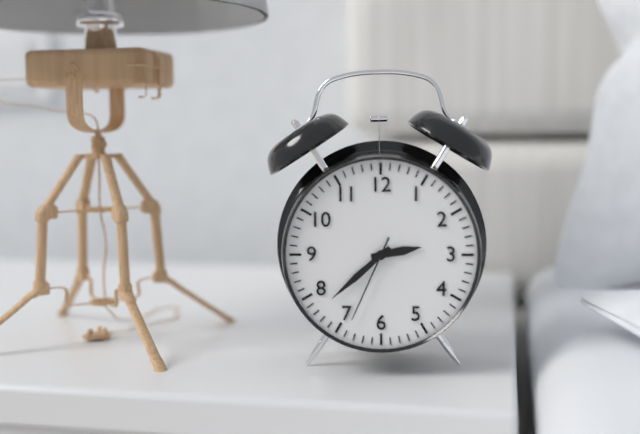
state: 2:38:34
